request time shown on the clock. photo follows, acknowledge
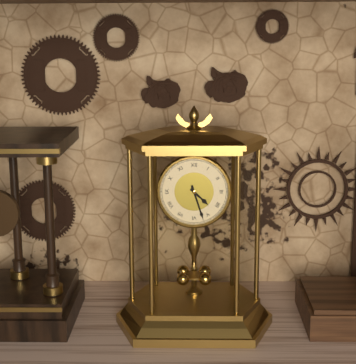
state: 4:27
